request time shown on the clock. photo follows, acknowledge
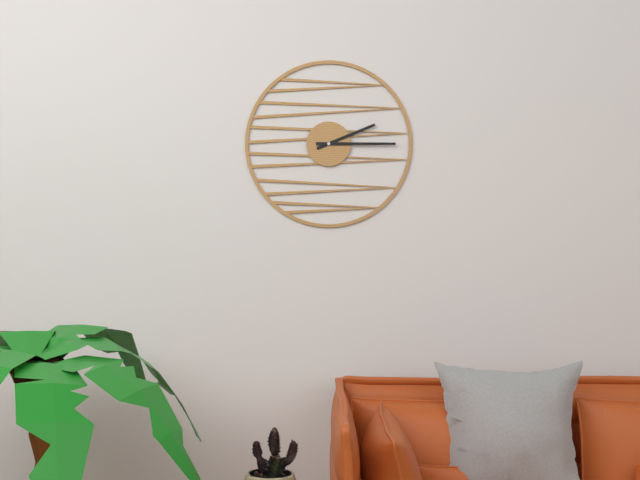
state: 2:15
